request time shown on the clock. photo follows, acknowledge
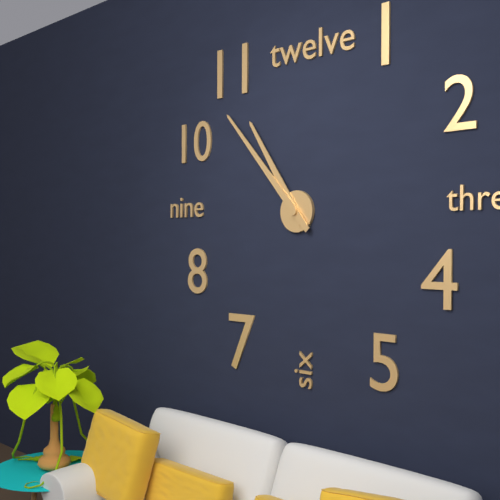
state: 10:53
